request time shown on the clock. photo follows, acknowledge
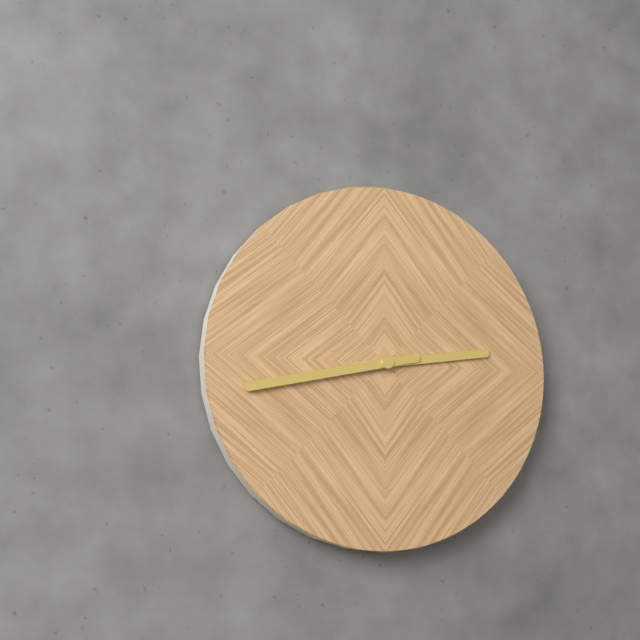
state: 2:43
